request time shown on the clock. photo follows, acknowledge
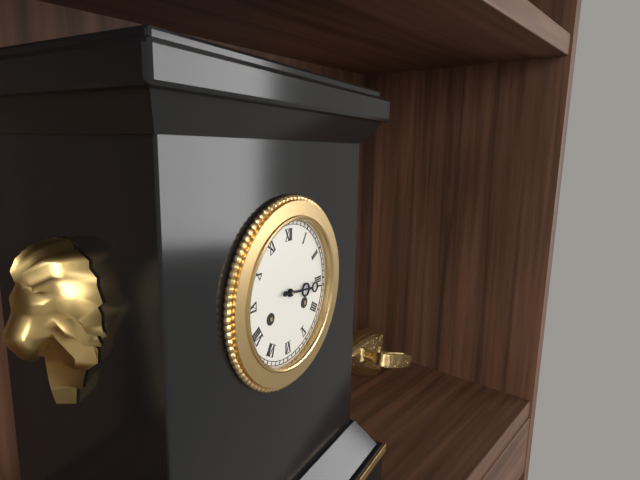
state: 3:16
